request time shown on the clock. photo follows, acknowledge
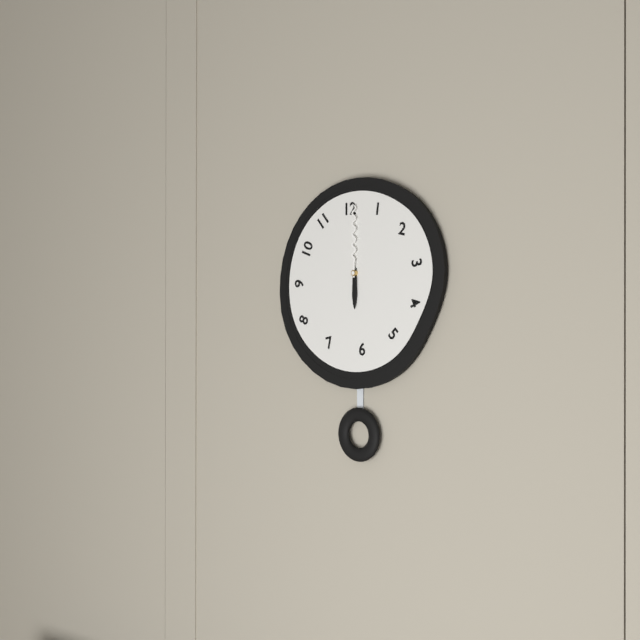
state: 6:00
